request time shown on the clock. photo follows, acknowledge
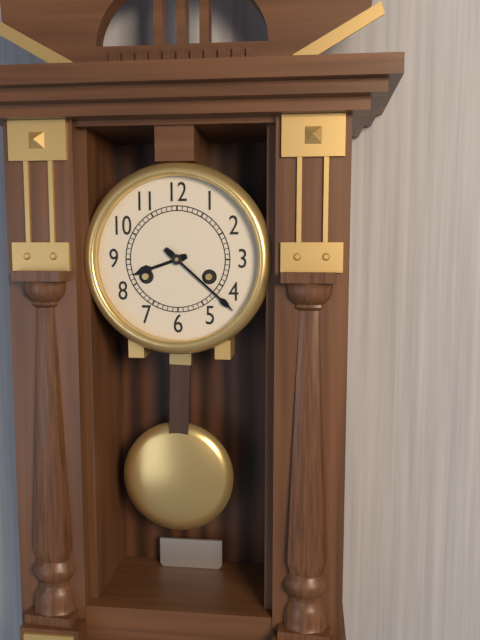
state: 8:22
